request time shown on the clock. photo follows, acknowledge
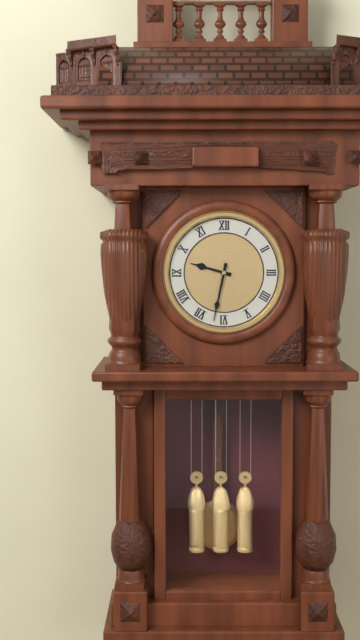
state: 9:32
